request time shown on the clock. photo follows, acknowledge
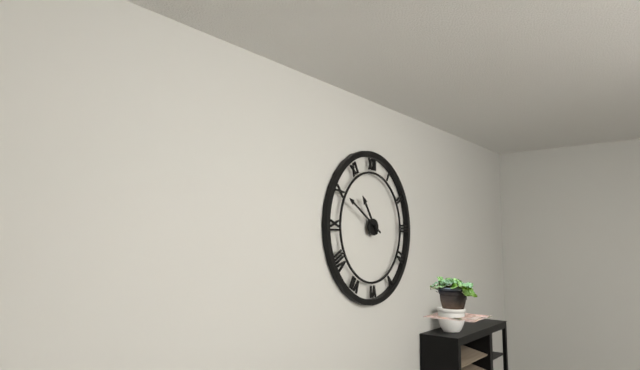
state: 10:50
